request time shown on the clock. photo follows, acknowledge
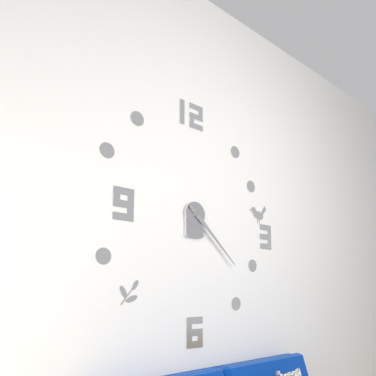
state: 4:22
